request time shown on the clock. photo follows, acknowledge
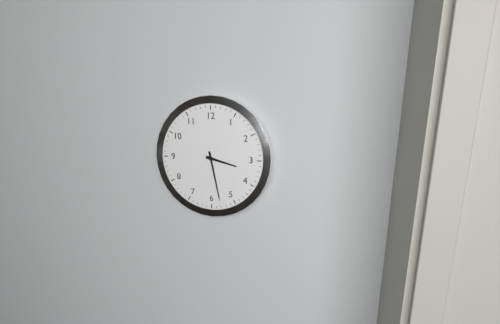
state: 3:28
